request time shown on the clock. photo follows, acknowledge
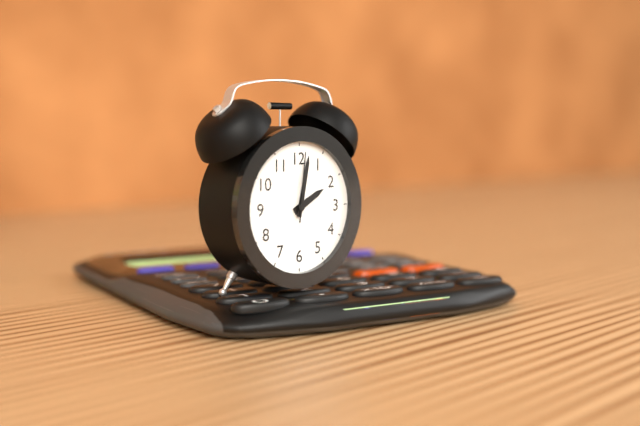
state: 2:02:01
